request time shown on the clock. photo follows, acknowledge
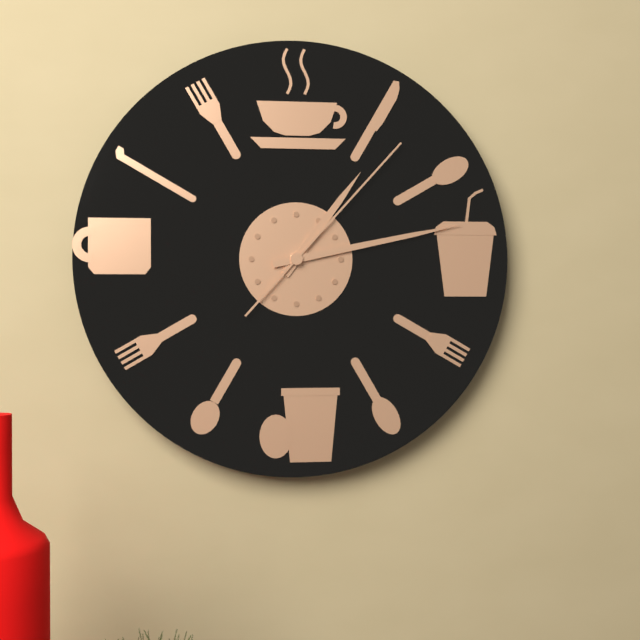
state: 1:13:07
